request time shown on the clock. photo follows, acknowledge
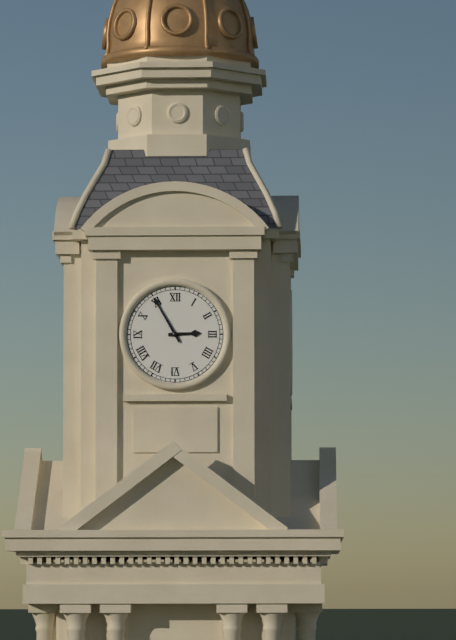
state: 2:55
